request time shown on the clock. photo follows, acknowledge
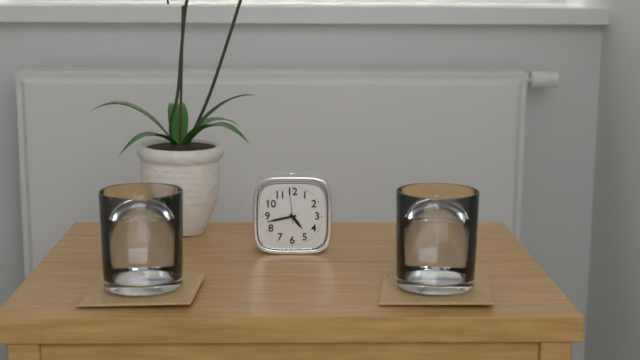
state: 4:43
